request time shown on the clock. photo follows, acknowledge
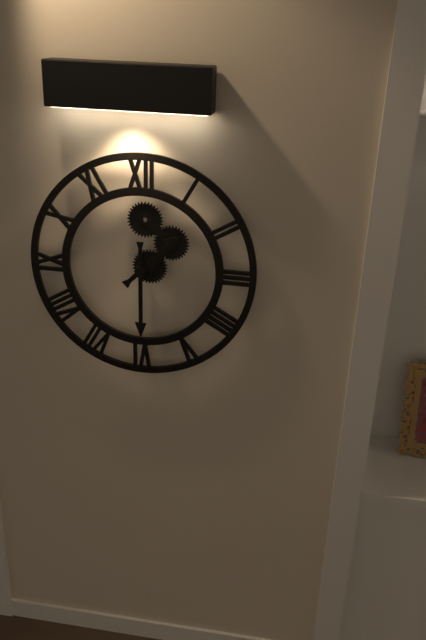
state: 1:30
